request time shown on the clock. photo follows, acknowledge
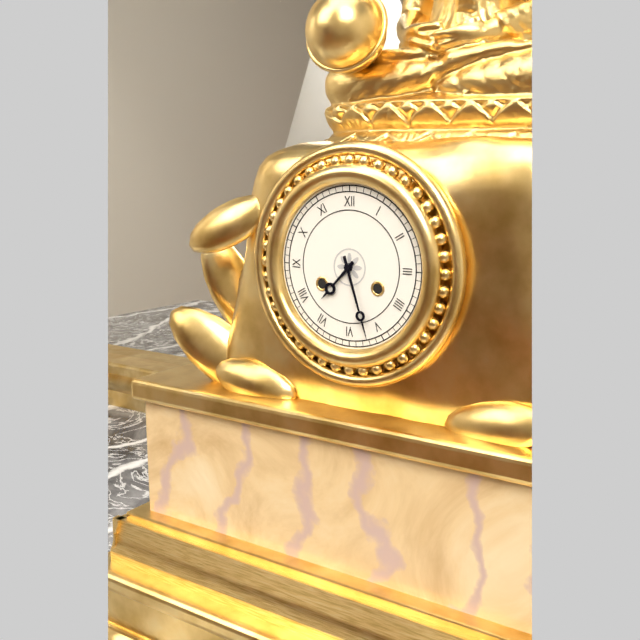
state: 7:27
